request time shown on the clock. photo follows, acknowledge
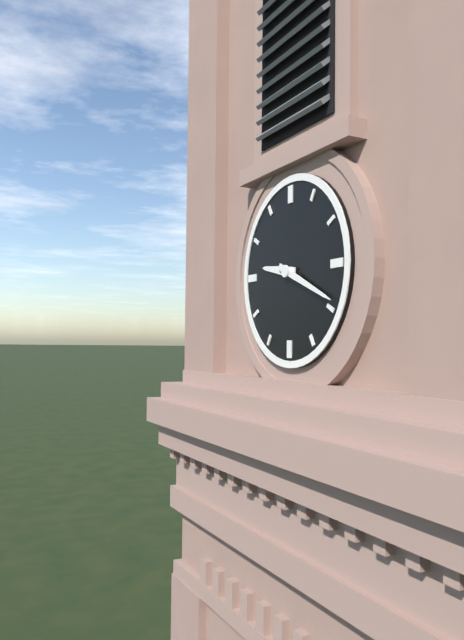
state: 9:19
